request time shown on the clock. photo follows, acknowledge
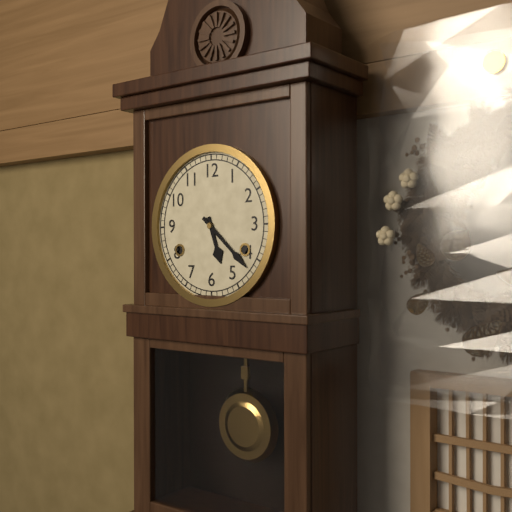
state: 5:22
